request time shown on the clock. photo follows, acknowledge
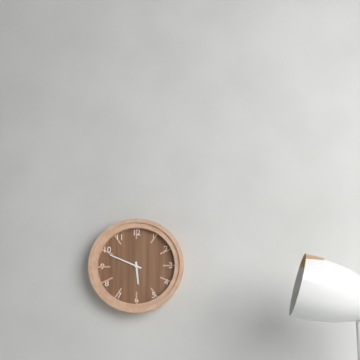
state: 5:49
